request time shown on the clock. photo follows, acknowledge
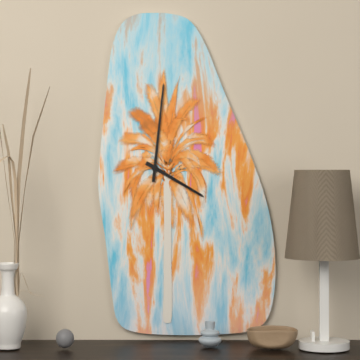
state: 4:01
